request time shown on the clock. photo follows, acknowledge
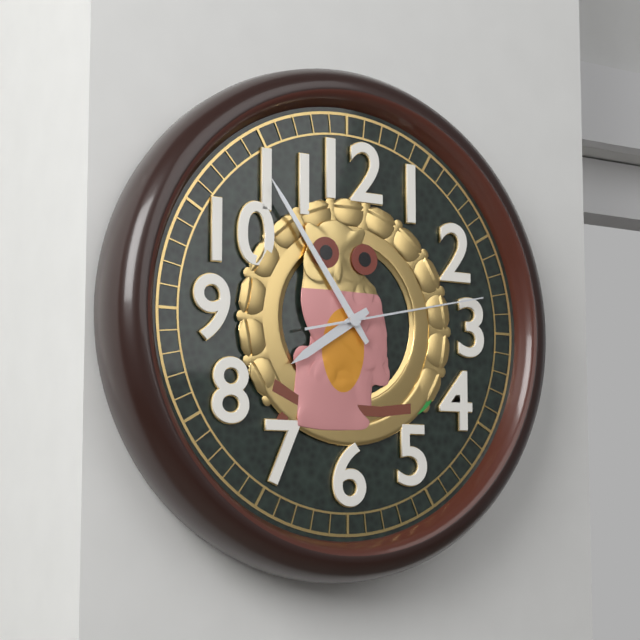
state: 7:54:13
